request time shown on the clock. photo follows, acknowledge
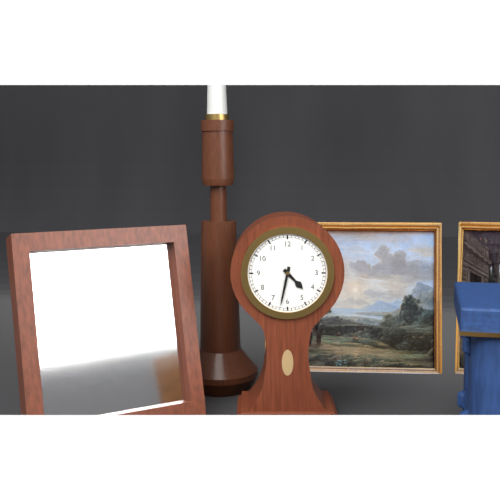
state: 4:32
